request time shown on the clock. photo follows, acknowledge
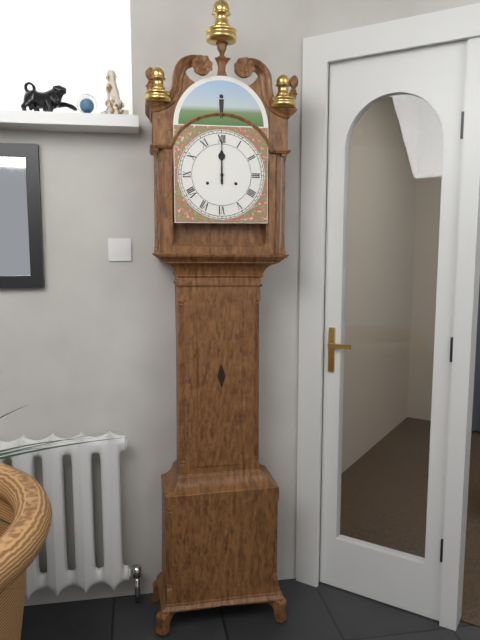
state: 12:00
